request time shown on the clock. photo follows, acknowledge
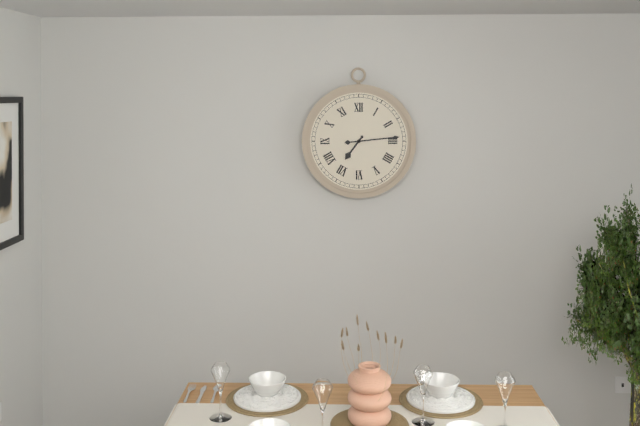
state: 7:14
